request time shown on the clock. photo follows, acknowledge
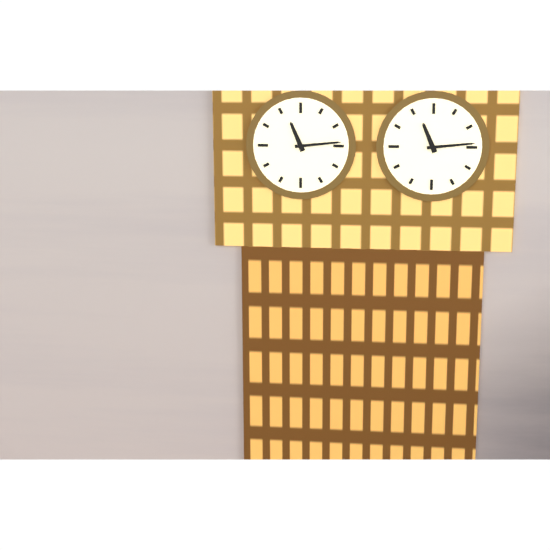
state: 11:14
